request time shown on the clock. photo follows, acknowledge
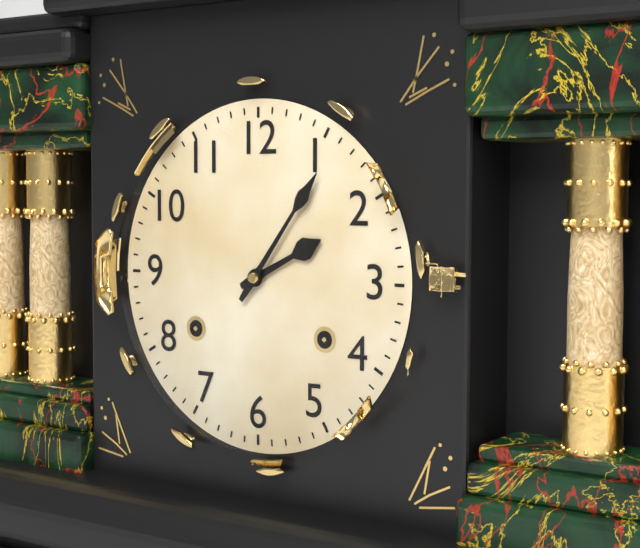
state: 2:06
